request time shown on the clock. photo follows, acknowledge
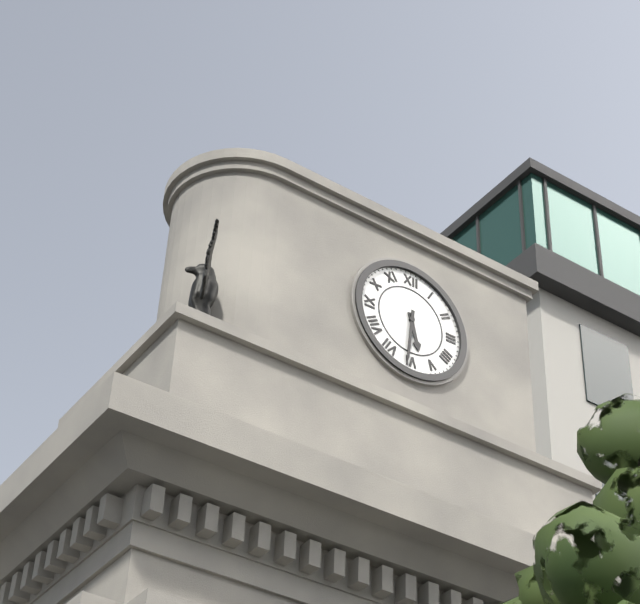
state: 5:31
